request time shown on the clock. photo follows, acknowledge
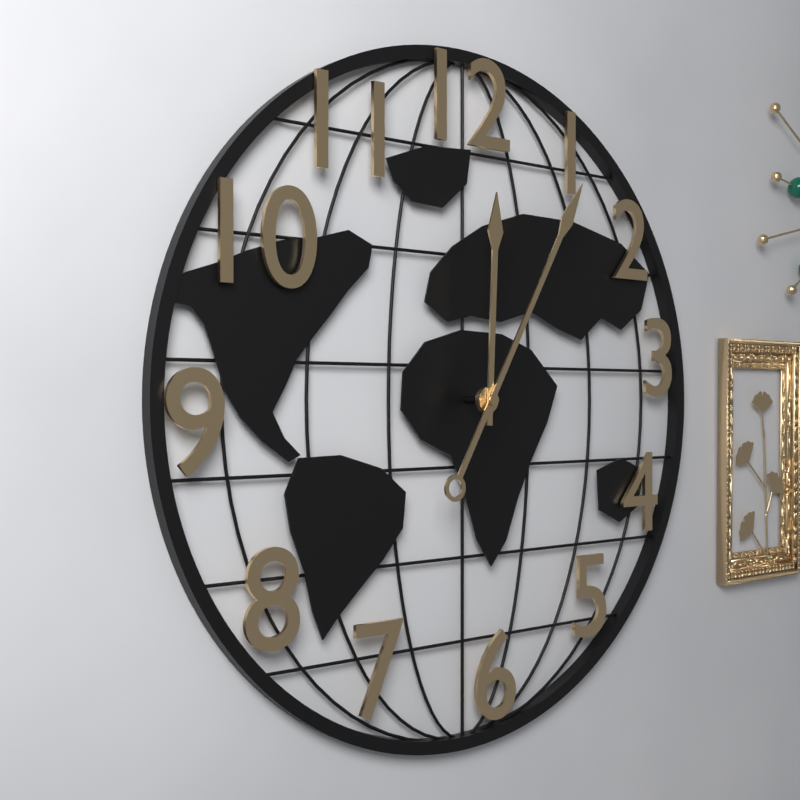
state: 12:05
